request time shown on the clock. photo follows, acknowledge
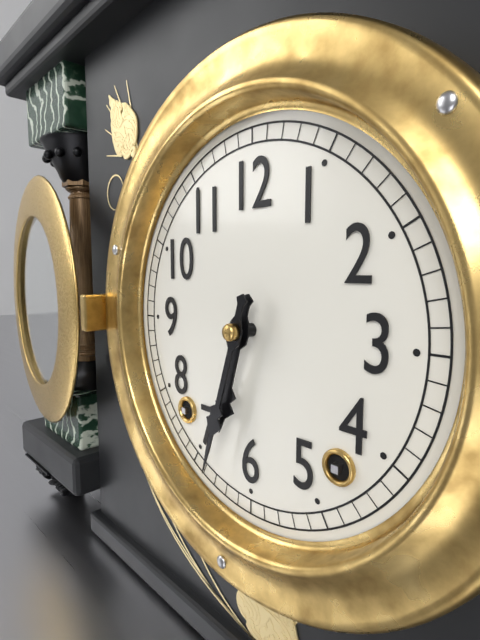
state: 6:33
